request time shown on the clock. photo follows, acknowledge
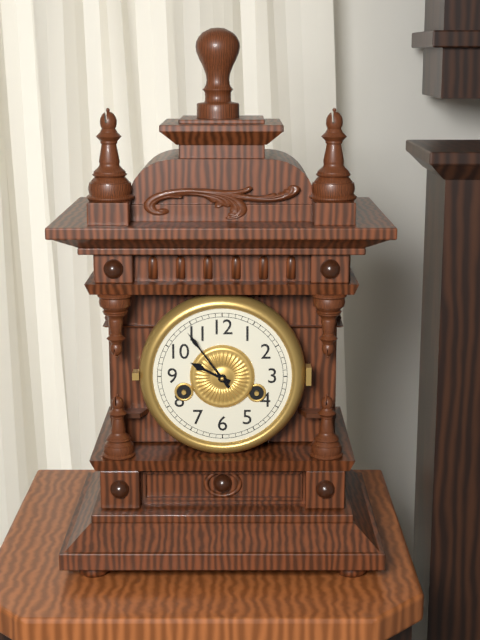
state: 9:54
